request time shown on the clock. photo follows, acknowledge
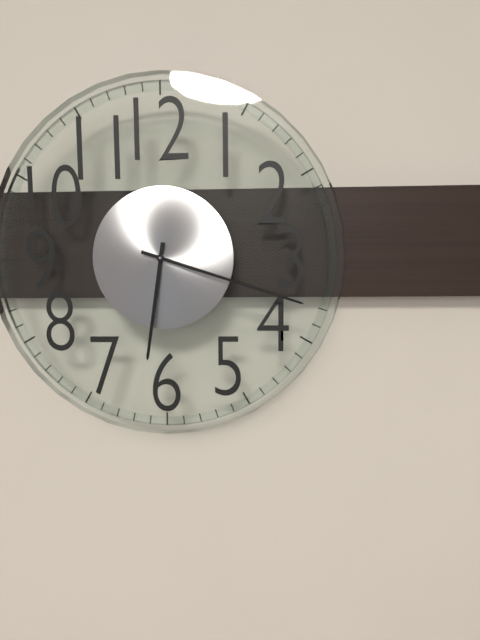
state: 6:18
